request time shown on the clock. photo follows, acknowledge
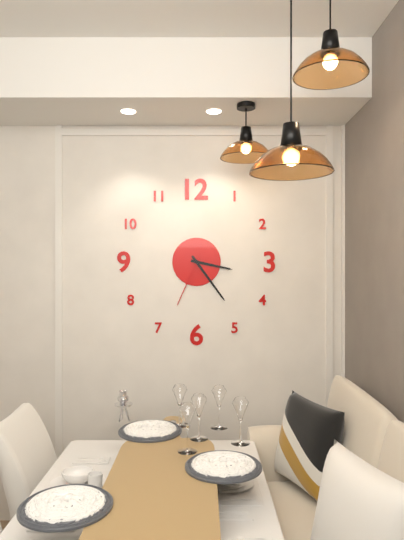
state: 3:24:34
